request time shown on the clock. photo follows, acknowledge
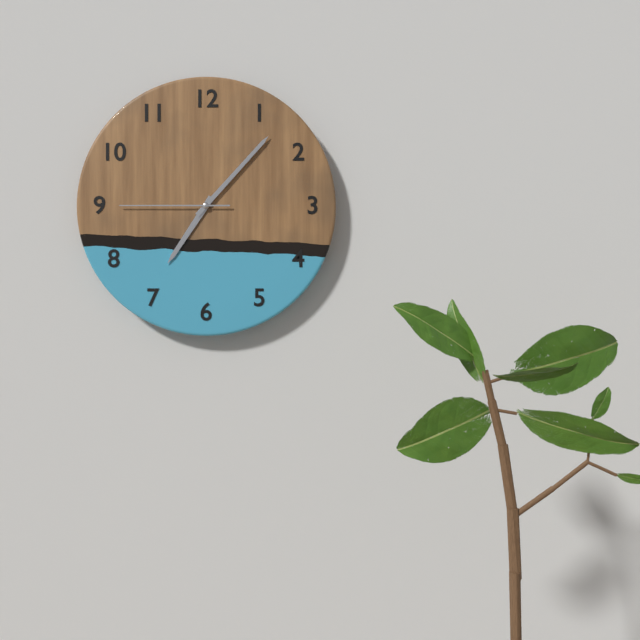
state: 7:07:45
